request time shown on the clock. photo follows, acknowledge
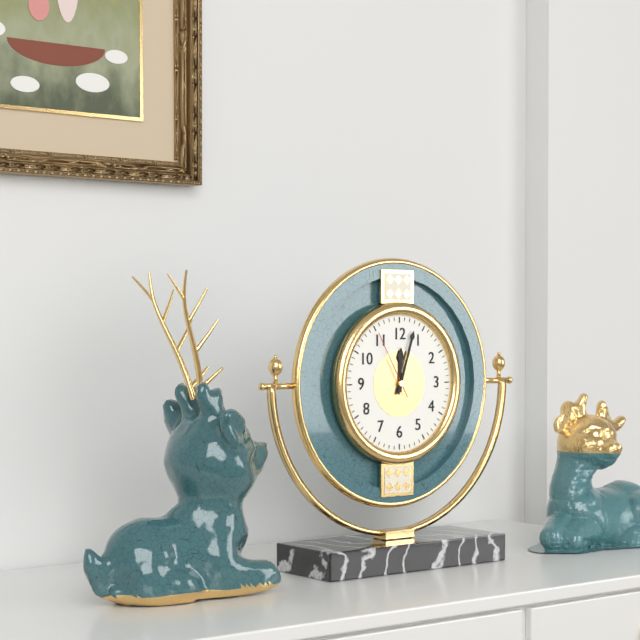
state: 12:03:55
